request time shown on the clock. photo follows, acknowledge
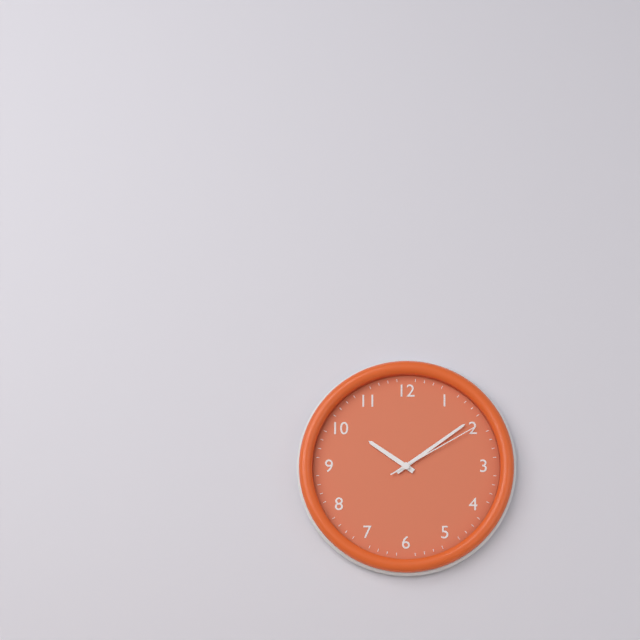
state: 10:09:10
